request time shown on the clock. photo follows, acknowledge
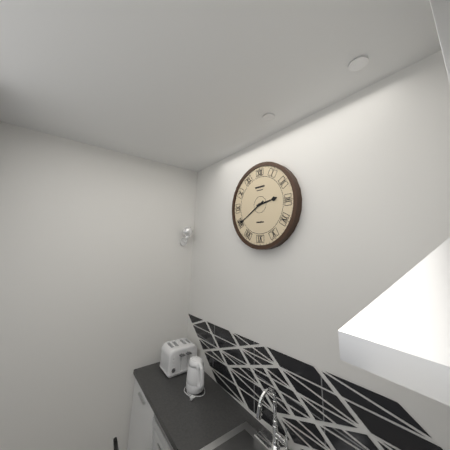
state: 2:40
